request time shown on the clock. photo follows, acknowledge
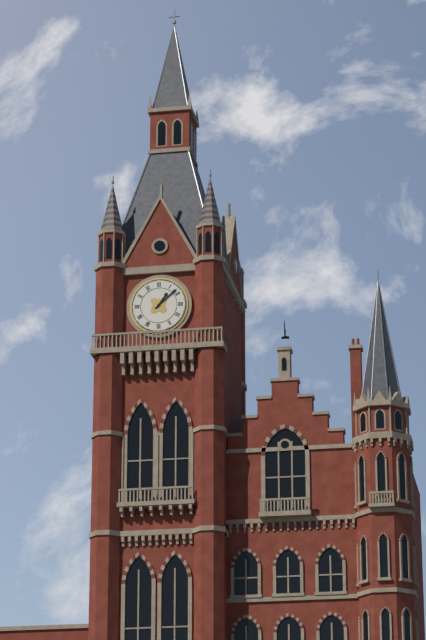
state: 1:08
